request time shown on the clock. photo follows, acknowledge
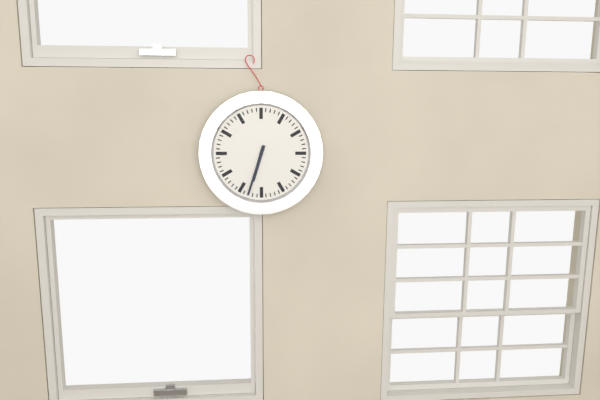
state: 6:33
